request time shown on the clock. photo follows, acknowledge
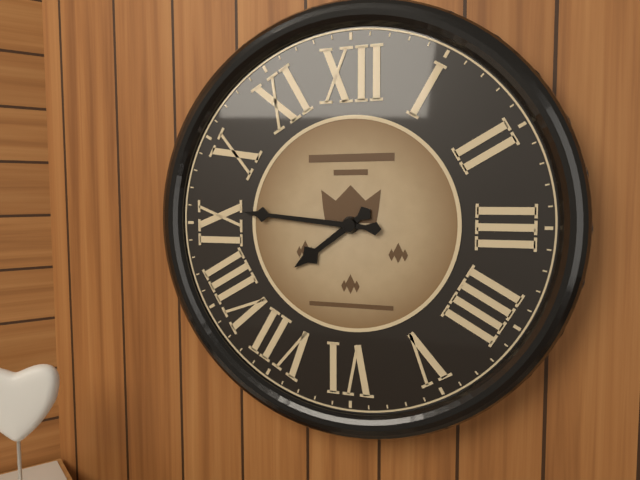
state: 7:46
